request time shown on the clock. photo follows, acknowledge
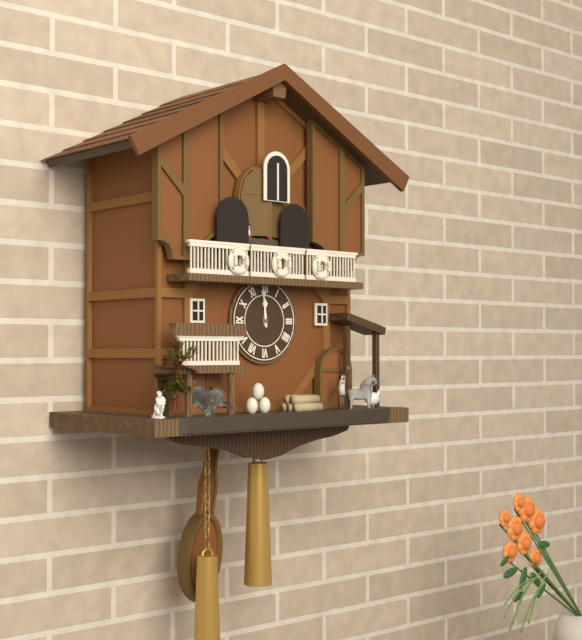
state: 11:59
